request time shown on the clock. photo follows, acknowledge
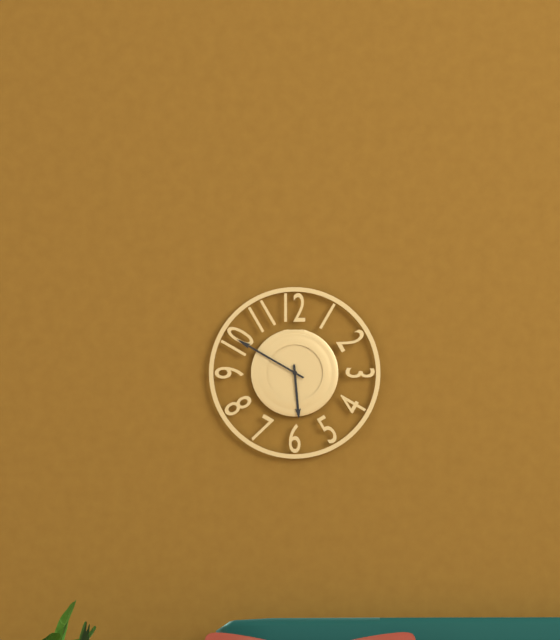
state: 5:50
